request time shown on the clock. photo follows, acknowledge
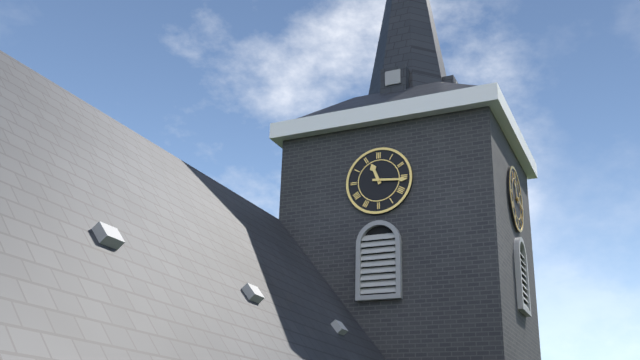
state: 11:16
